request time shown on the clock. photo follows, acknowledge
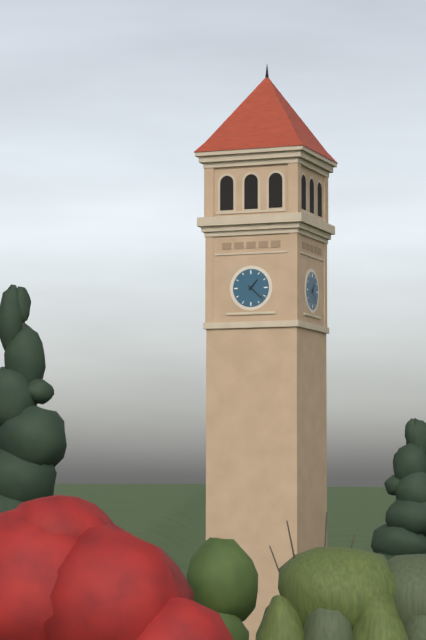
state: 1:22
